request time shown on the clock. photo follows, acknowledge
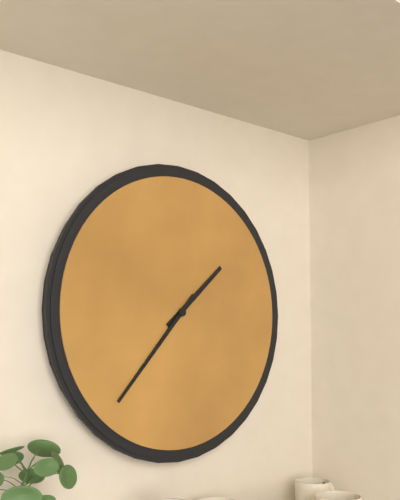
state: 1:37
